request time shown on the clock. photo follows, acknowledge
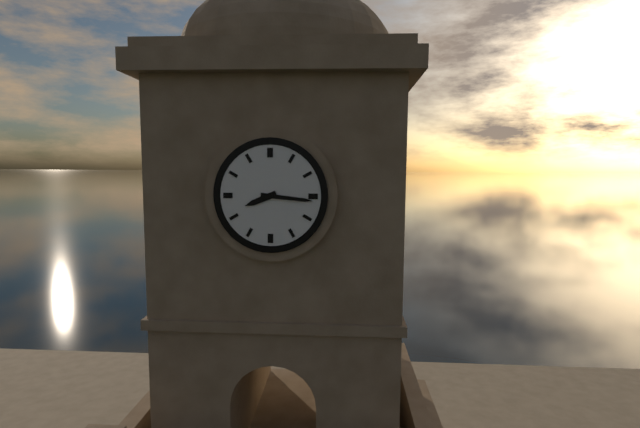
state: 8:16
